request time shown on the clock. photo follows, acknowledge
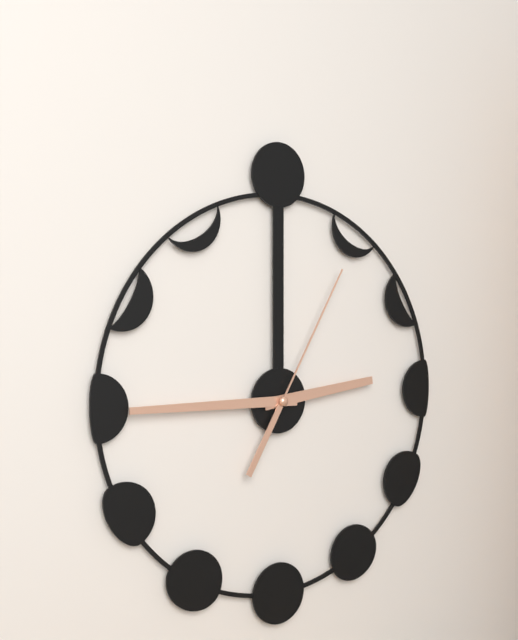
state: 2:45:05
